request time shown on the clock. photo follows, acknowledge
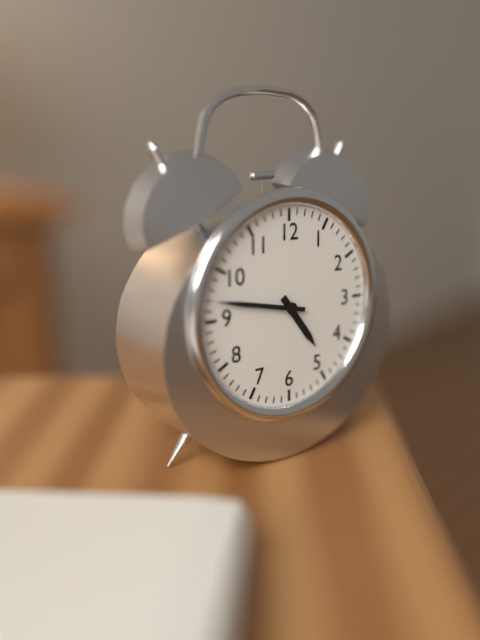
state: 4:47
